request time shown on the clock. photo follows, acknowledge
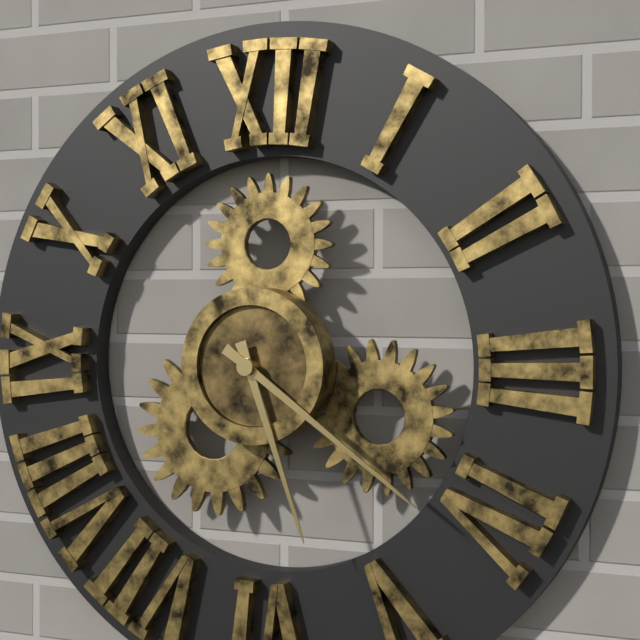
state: 5:21
